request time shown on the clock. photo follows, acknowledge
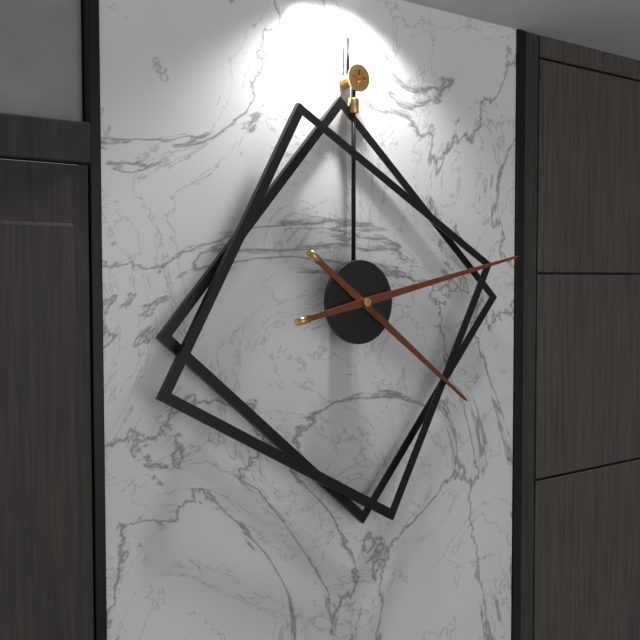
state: 4:13
